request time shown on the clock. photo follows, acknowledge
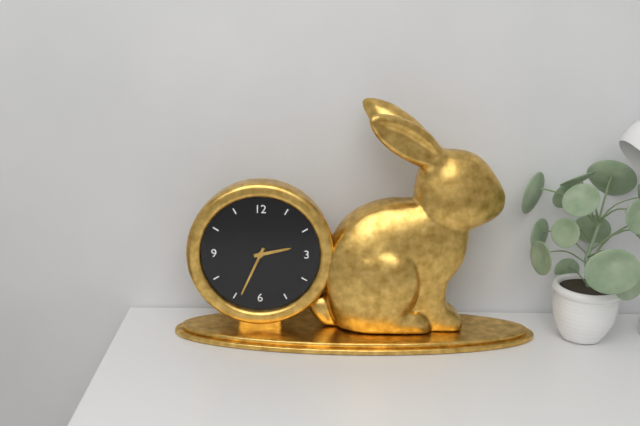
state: 2:34
